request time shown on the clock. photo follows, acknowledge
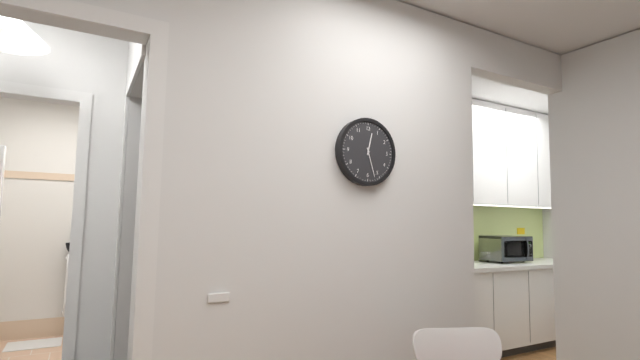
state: 12:27
